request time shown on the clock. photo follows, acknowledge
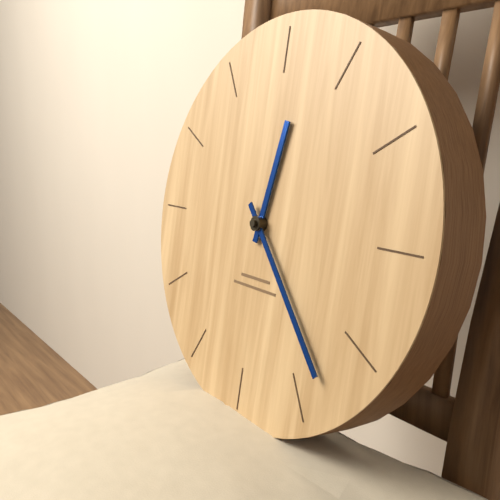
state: 12:23
